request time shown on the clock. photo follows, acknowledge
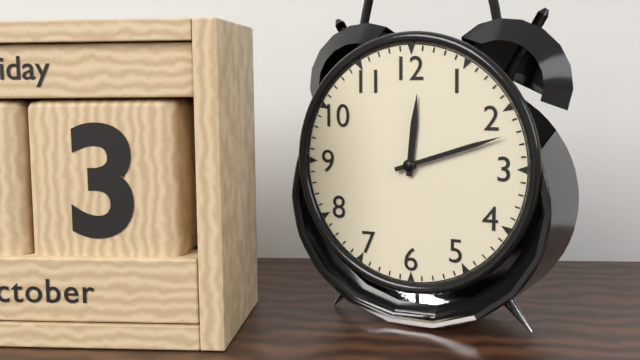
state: 12:12
